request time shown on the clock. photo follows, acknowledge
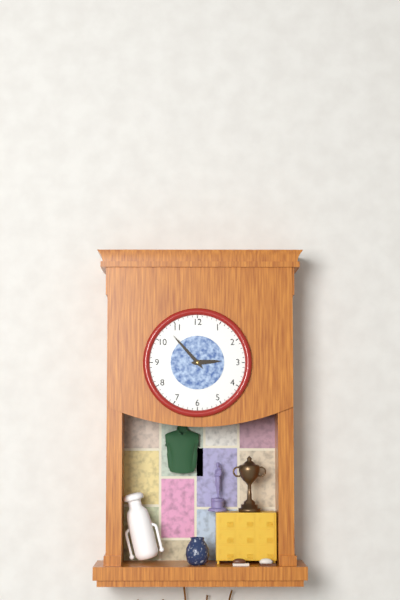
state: 2:53
